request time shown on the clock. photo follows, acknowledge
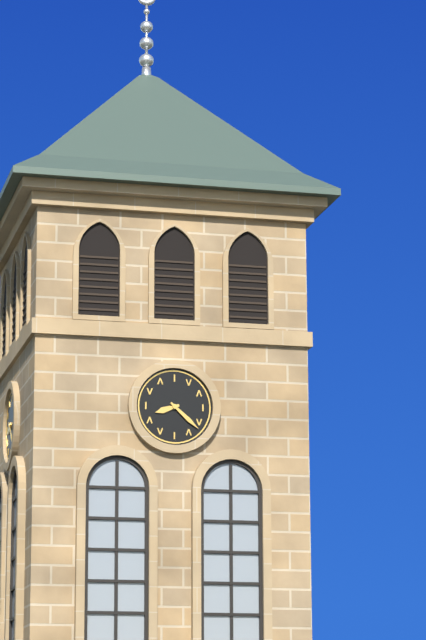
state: 8:22
